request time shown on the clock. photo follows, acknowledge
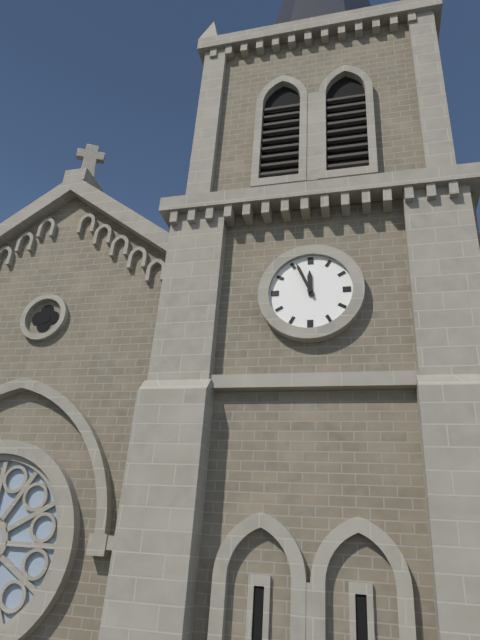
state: 11:56
